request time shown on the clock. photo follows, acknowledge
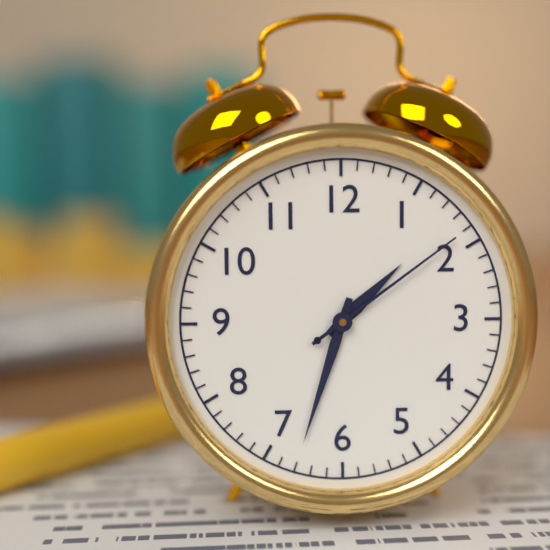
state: 1:33:09
